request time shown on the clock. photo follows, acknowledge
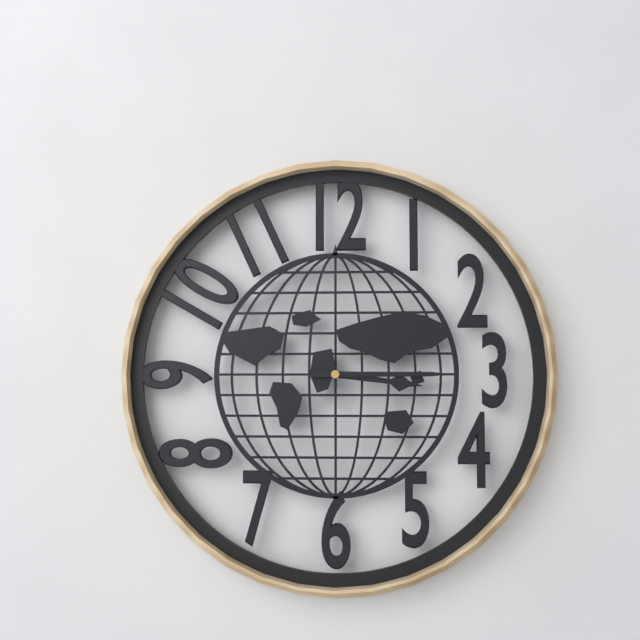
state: 3:15
